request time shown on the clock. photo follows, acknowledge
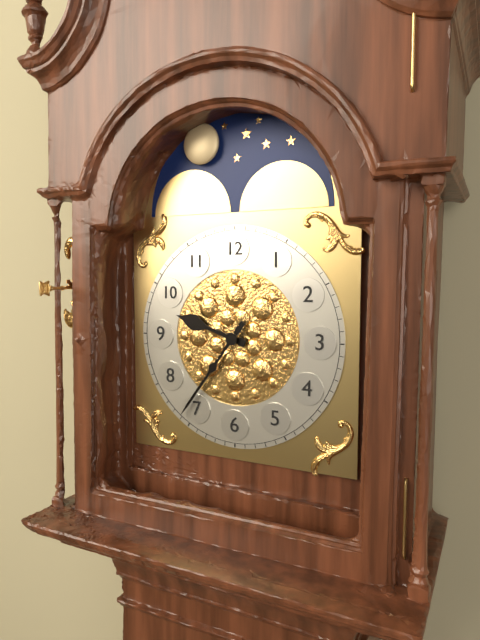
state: 9:36
